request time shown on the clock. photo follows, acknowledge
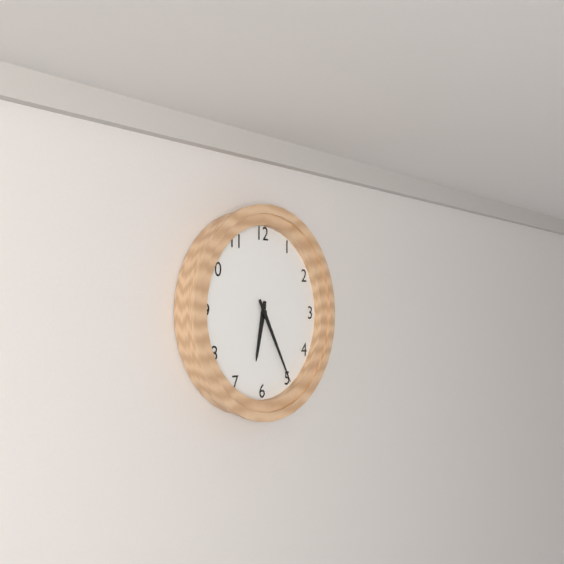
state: 6:25
